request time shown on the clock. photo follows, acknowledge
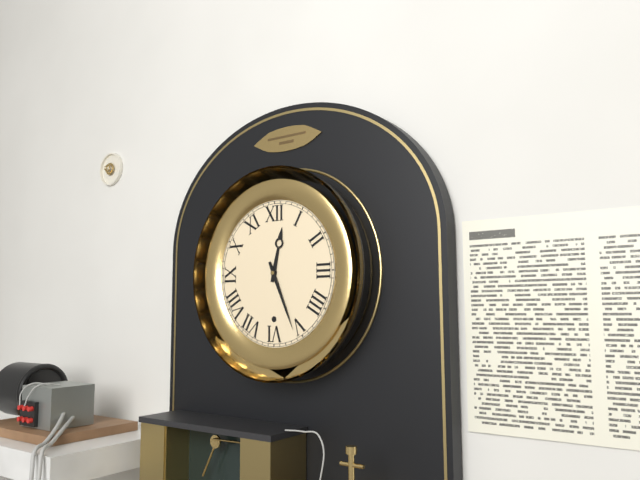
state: 12:26
